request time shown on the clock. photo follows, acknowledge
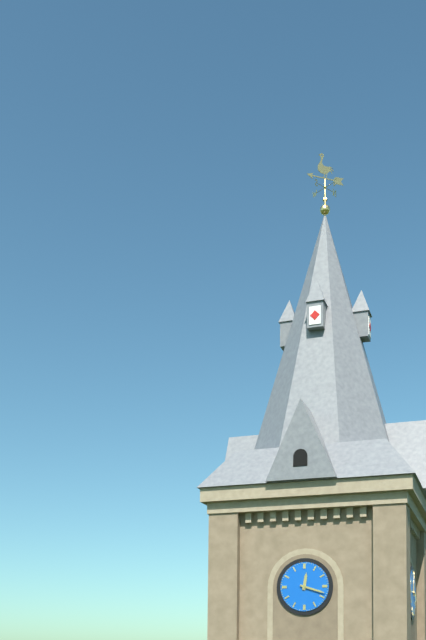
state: 12:18
